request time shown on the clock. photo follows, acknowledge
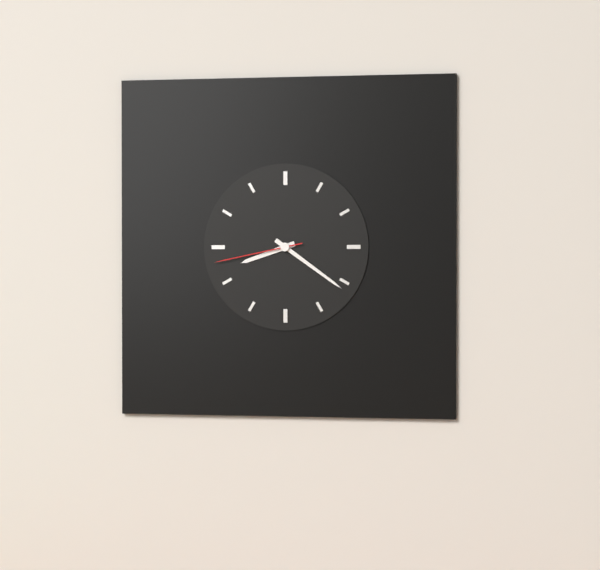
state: 8:21:43
